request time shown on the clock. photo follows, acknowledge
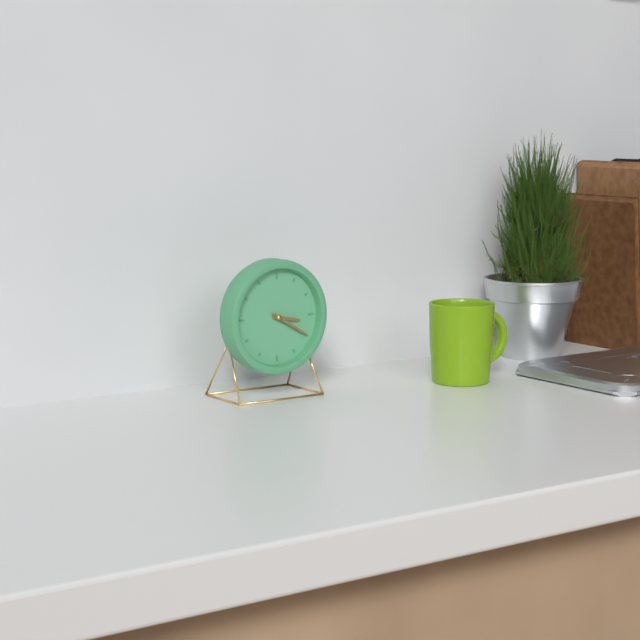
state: 3:20
